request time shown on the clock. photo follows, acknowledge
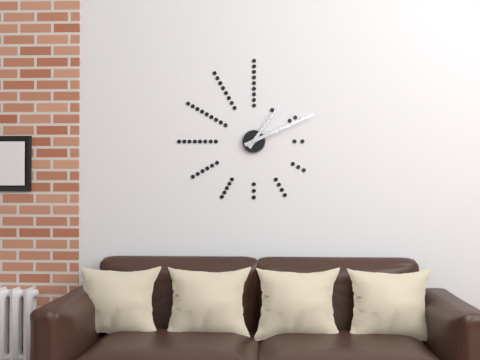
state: 1:11
